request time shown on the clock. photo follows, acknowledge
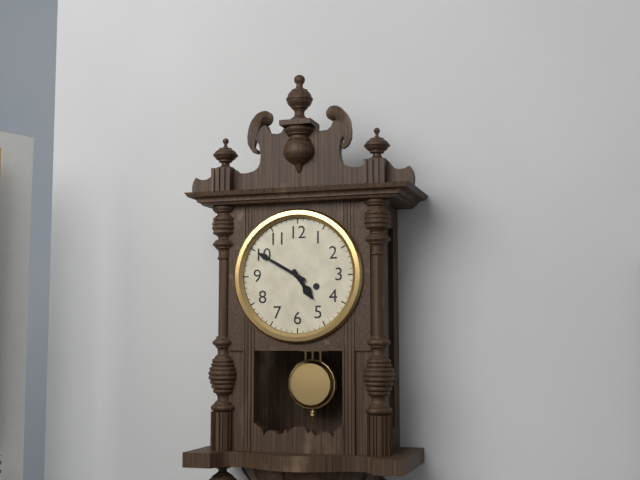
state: 4:50
